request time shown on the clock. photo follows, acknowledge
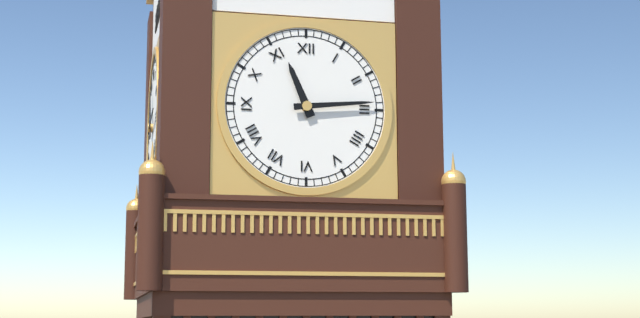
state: 11:14
